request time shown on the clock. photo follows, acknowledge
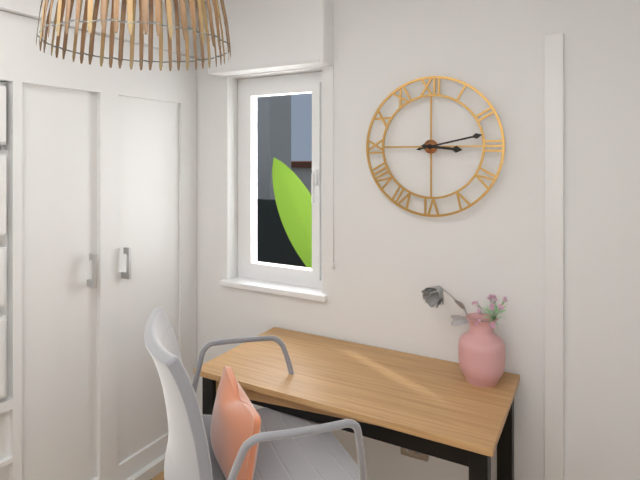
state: 3:13
